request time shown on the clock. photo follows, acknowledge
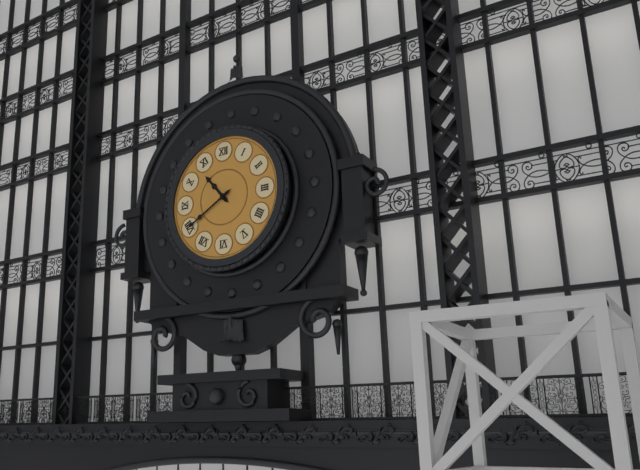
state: 10:40
